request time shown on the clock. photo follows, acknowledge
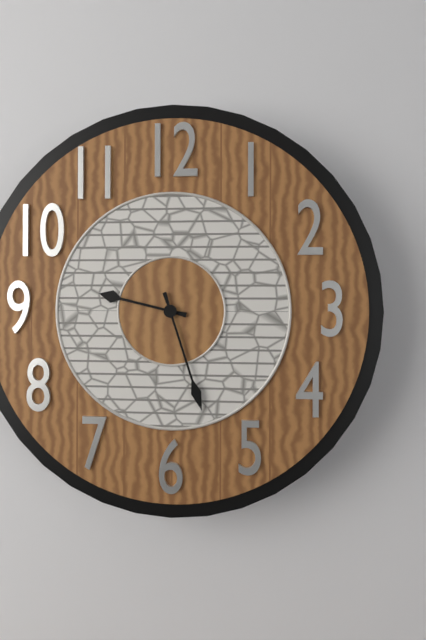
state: 9:27
